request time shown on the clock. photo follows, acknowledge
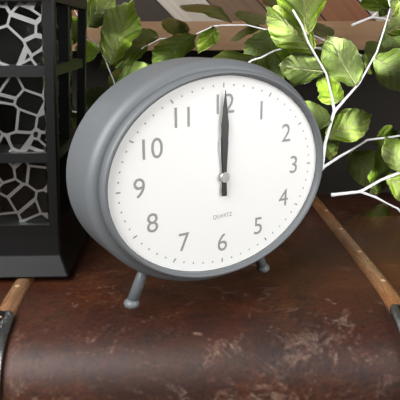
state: 12:00
